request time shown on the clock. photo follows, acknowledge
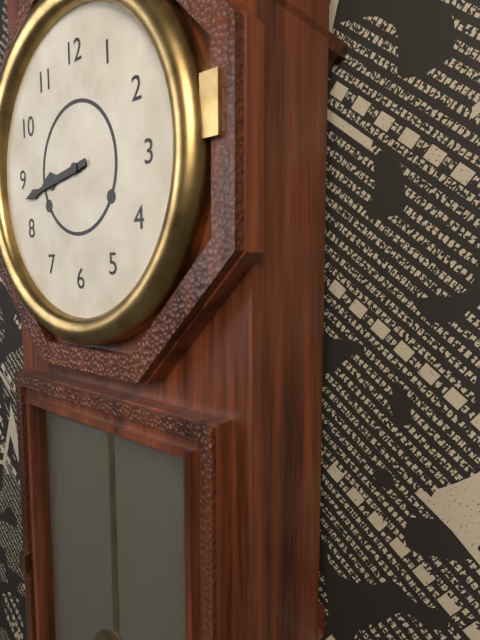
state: 8:43
